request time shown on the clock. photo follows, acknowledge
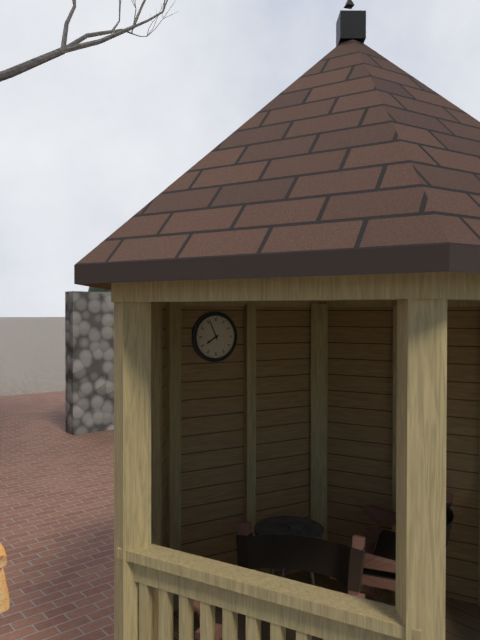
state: 7:56
